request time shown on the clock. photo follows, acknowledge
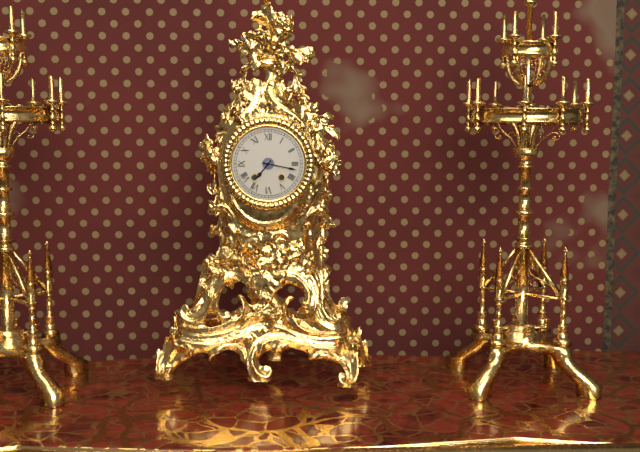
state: 7:17
